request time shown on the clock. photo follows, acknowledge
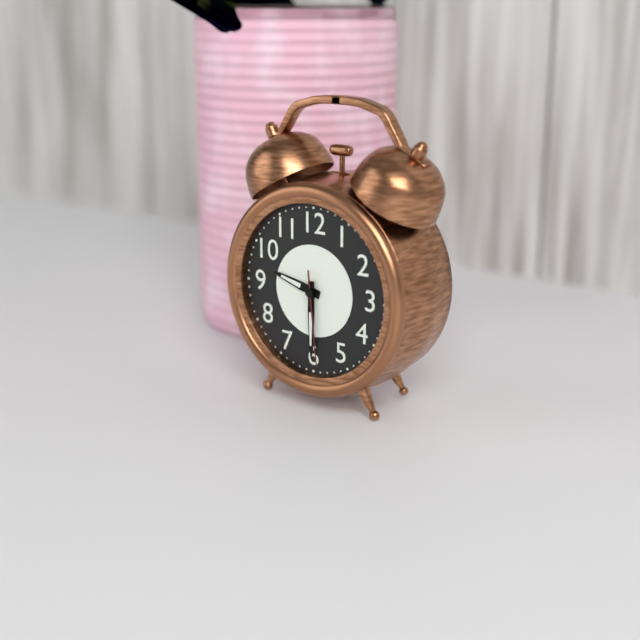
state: 9:30:29
